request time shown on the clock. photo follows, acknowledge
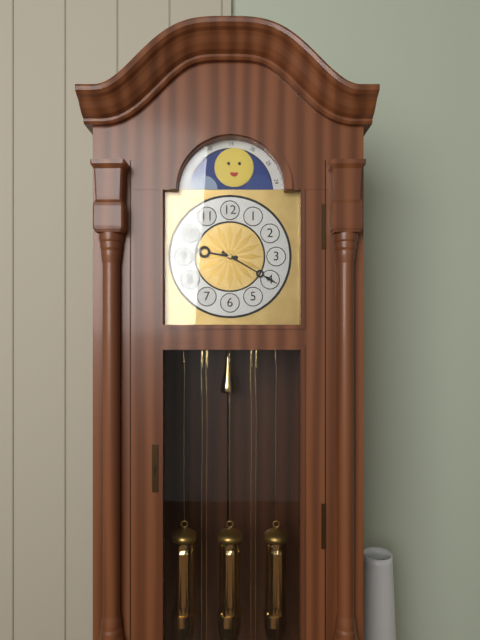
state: 9:20
